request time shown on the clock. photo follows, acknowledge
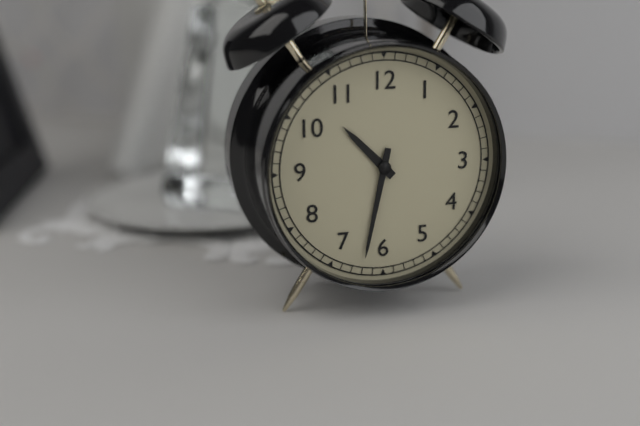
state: 10:32
